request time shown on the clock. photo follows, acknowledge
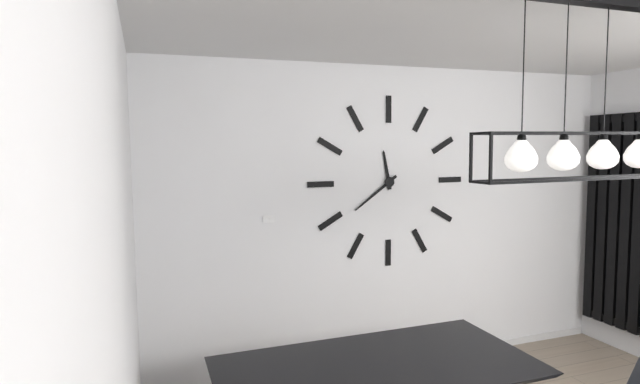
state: 11:39
